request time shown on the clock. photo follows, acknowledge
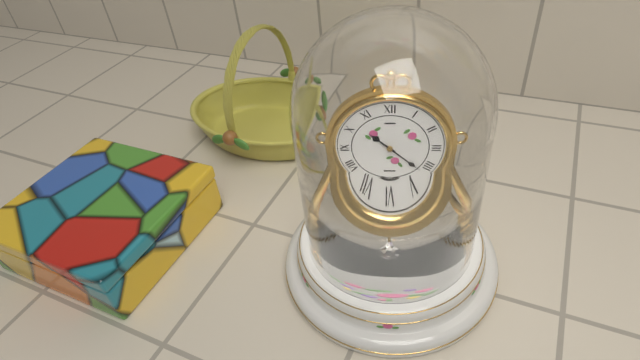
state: 10:22
